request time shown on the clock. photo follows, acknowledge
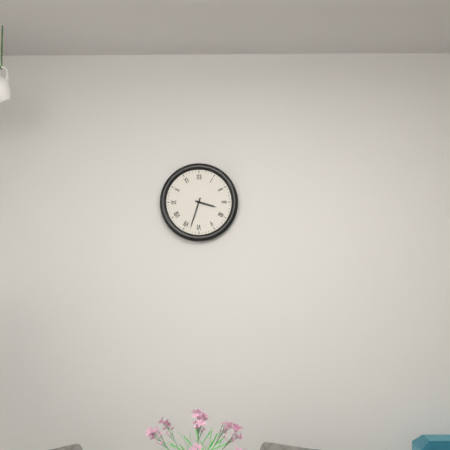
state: 3:33
